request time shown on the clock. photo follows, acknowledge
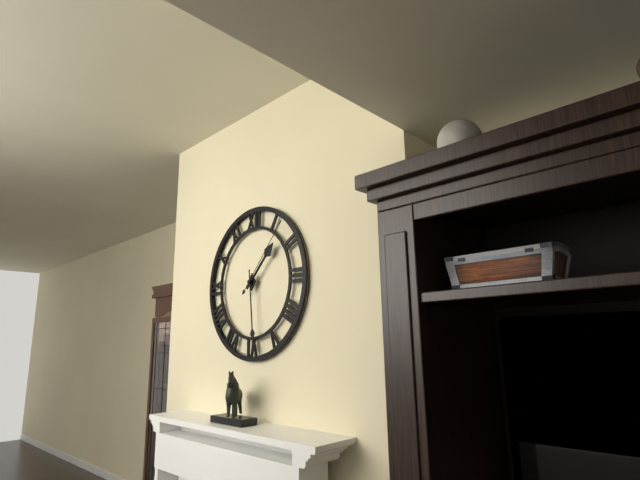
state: 1:29:07
